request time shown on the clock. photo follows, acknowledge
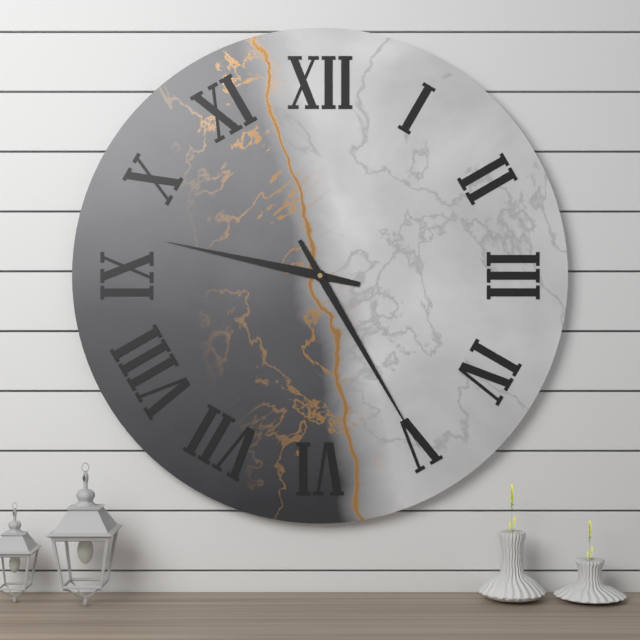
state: 9:25
